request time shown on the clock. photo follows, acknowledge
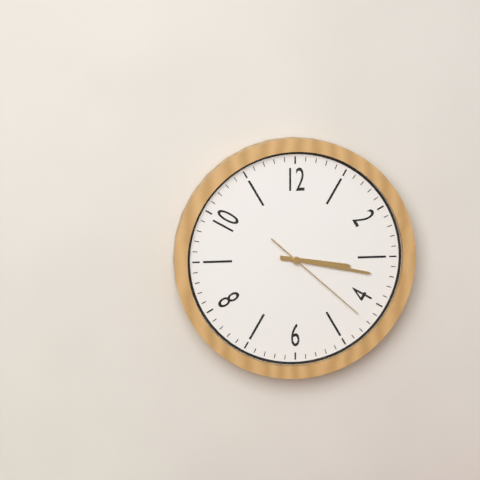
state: 3:17:22
